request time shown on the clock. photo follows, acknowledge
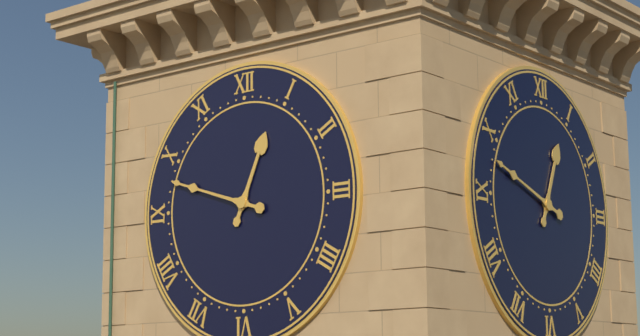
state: 12:48
